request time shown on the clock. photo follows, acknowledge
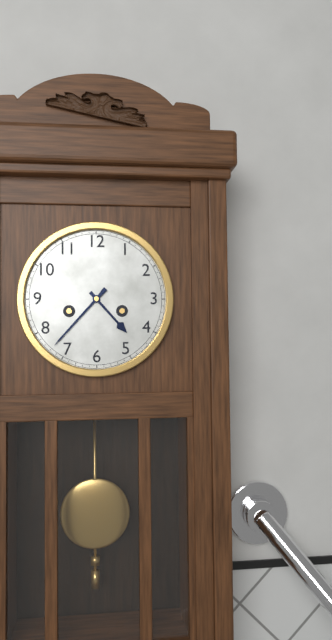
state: 4:37
